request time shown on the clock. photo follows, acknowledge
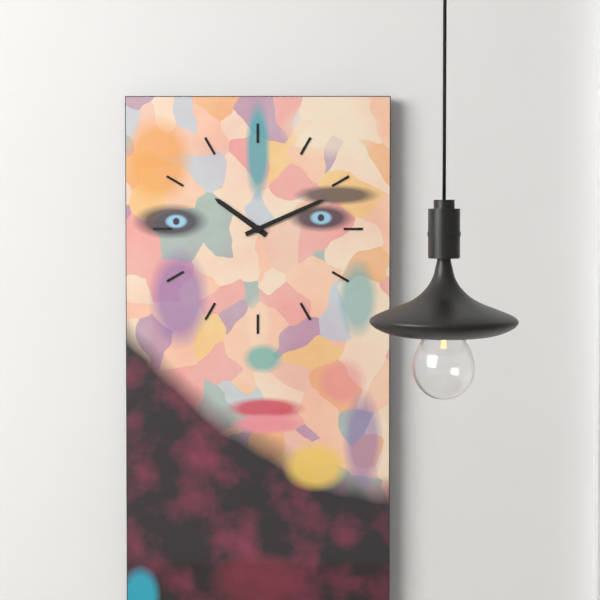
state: 10:11
